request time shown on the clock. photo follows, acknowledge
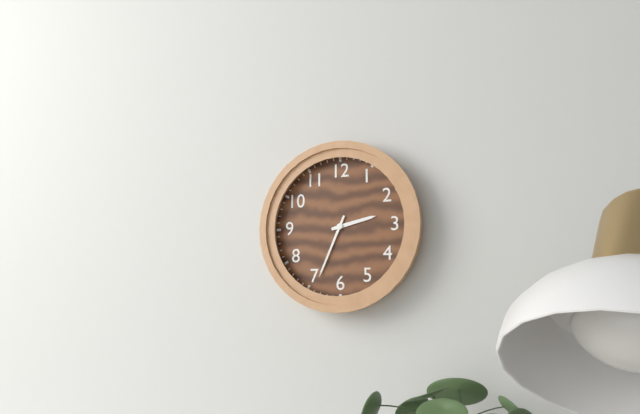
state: 2:34
